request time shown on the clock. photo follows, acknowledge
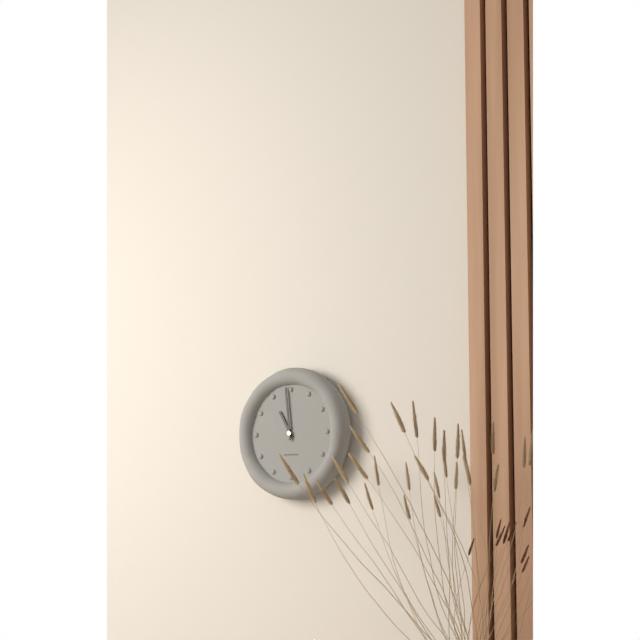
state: 10:59
